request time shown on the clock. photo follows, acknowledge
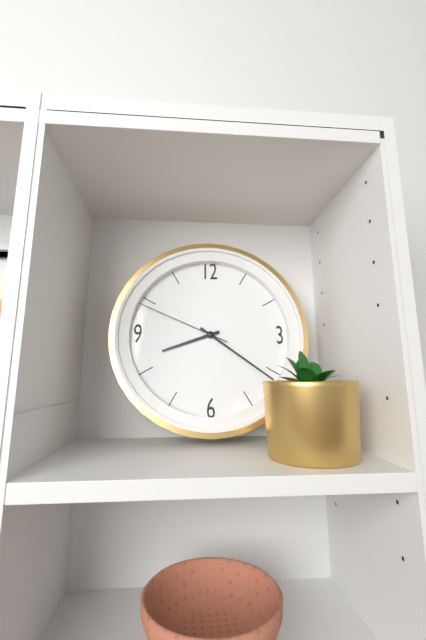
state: 8:21:49
